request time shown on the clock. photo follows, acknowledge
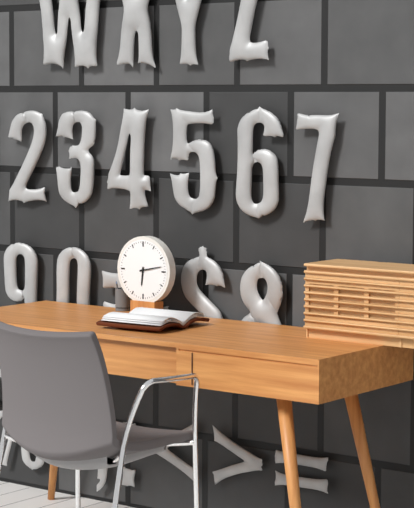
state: 6:13
